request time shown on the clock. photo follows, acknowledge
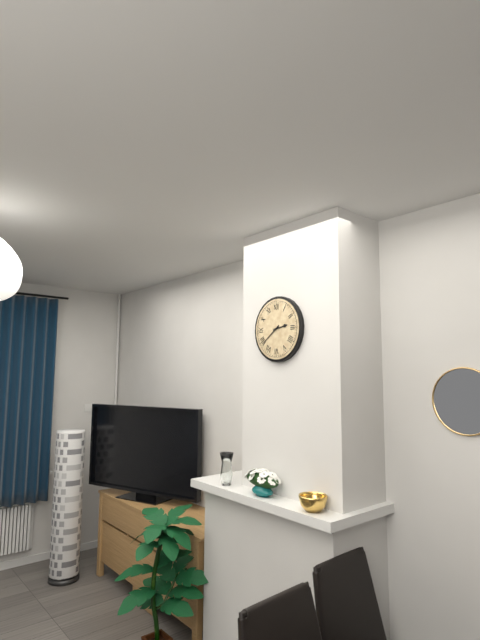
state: 2:39
